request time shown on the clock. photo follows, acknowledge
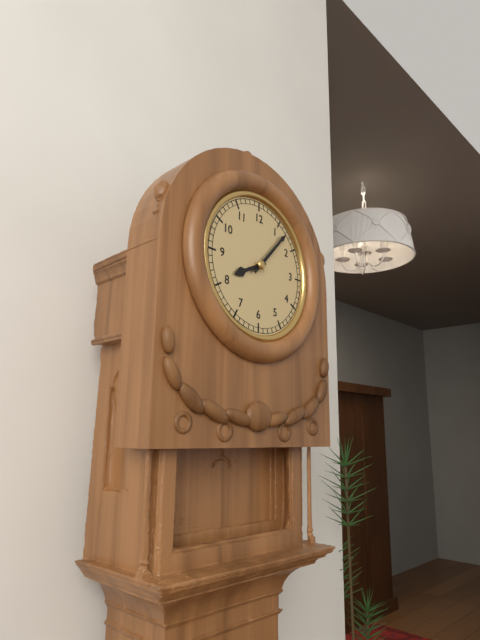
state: 8:07
